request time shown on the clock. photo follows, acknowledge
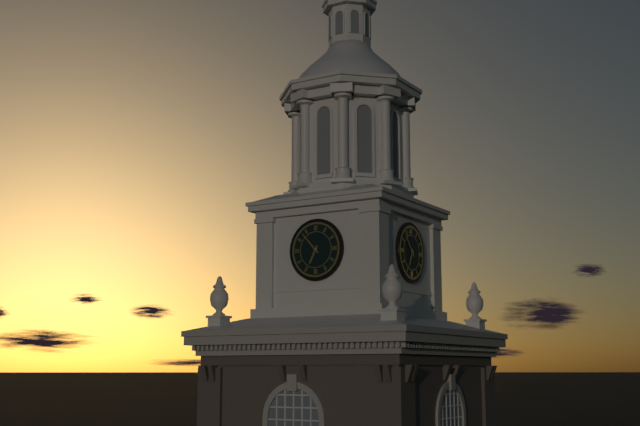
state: 6:53
